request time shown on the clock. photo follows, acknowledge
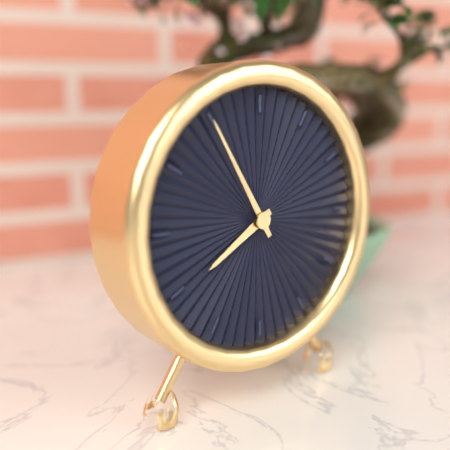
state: 7:55
